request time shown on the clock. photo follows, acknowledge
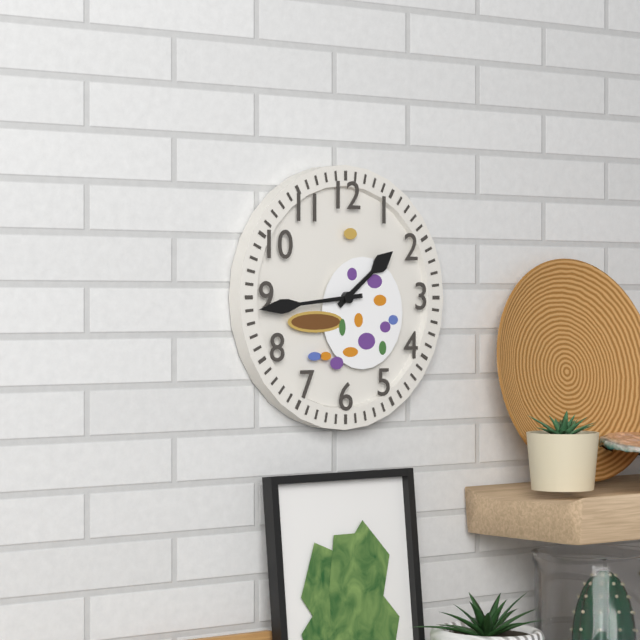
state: 1:44
